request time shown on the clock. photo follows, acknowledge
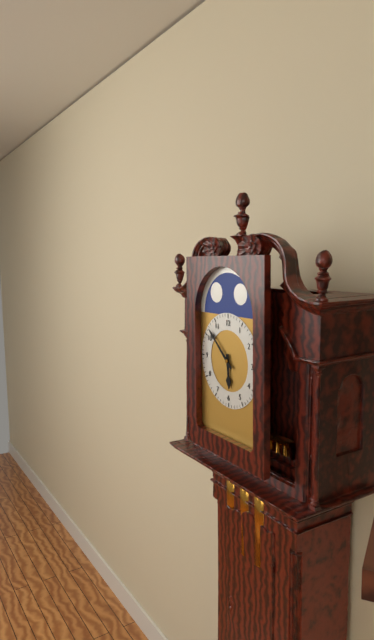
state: 5:52
